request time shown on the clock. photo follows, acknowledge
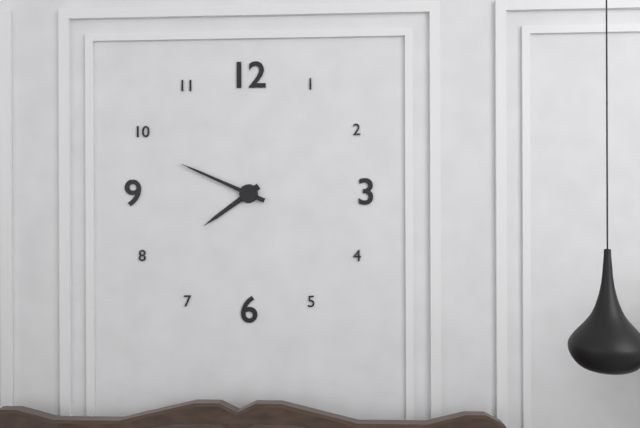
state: 7:49
